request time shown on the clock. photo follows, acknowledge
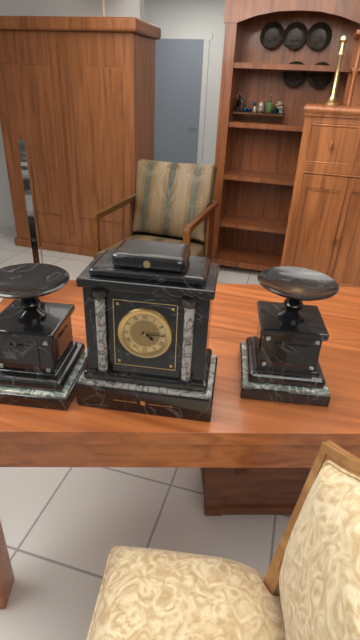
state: 4:15
